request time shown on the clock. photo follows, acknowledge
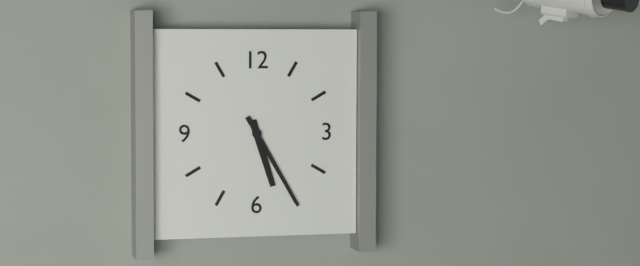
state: 5:25
